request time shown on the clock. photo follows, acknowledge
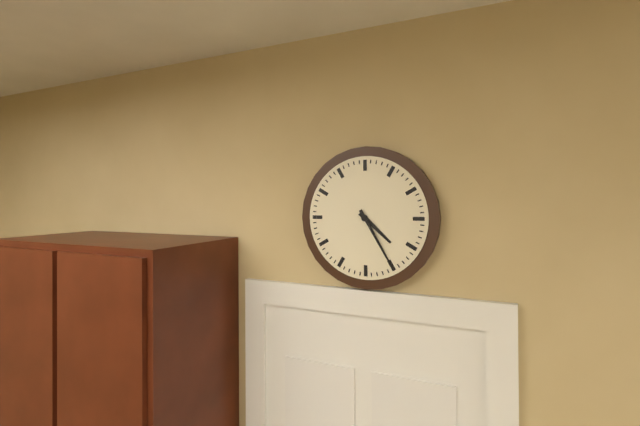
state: 4:25
